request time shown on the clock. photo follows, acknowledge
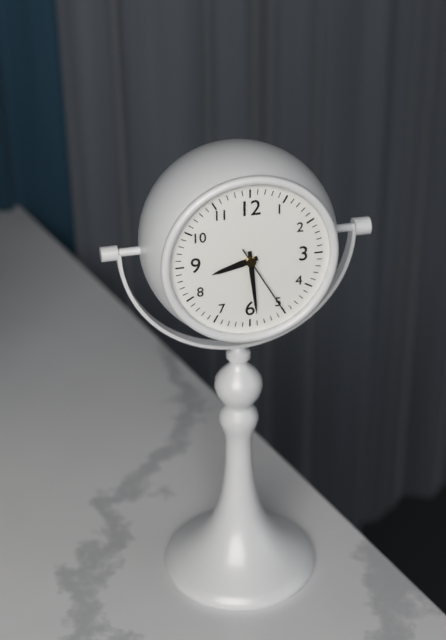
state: 8:29:25
